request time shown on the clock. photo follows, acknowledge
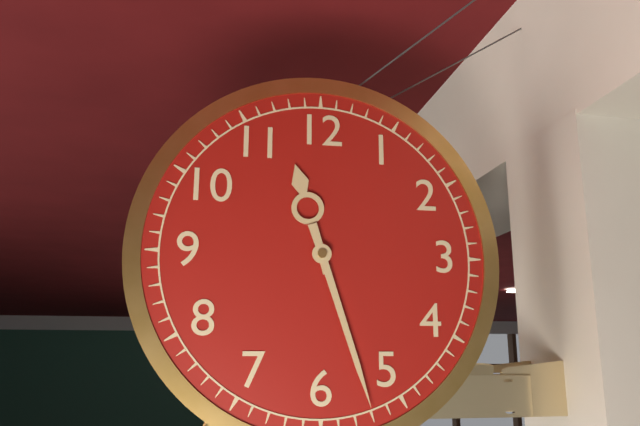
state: 11:27
